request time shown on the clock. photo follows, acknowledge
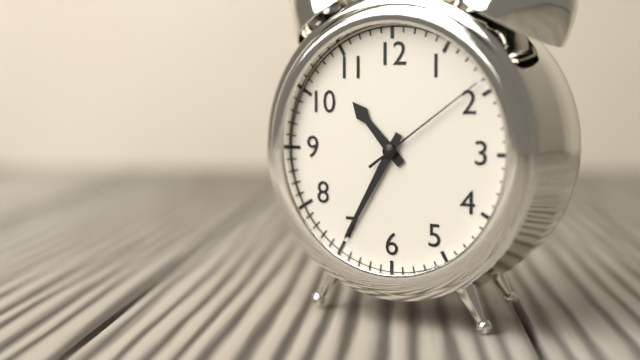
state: 10:35:09
